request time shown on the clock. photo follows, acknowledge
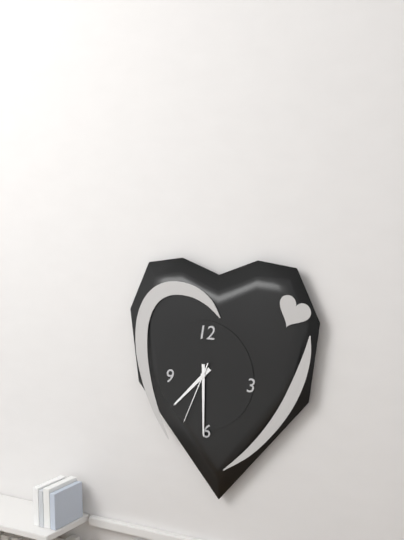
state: 7:30:34
